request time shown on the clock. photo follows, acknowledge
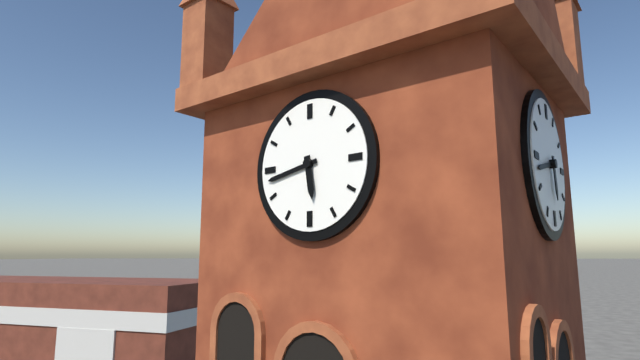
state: 5:43
